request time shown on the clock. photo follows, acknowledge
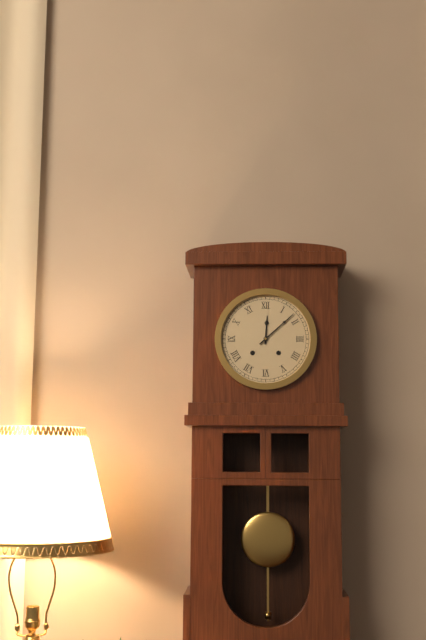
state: 12:08
